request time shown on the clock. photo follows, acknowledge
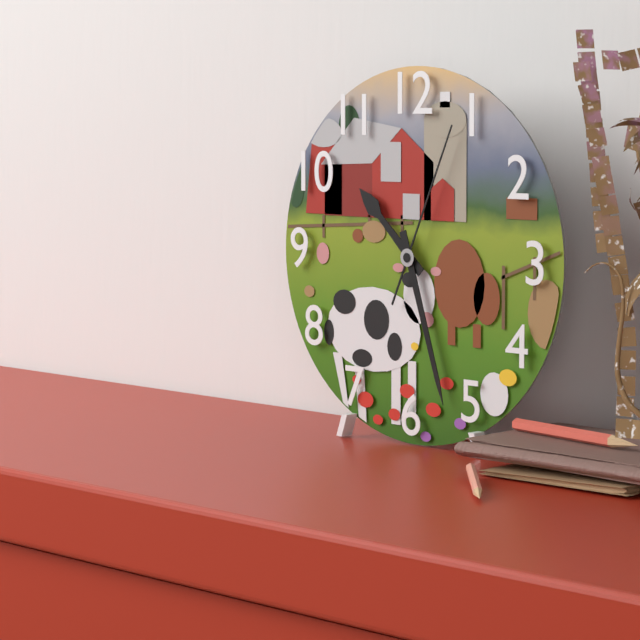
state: 10:27:04
